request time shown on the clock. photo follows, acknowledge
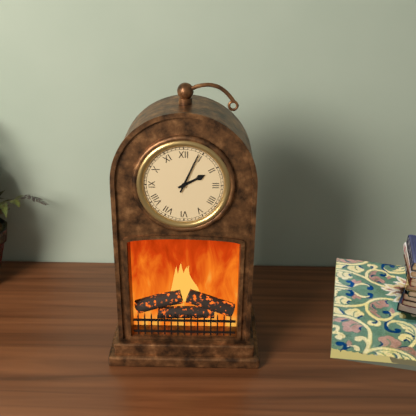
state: 2:04
